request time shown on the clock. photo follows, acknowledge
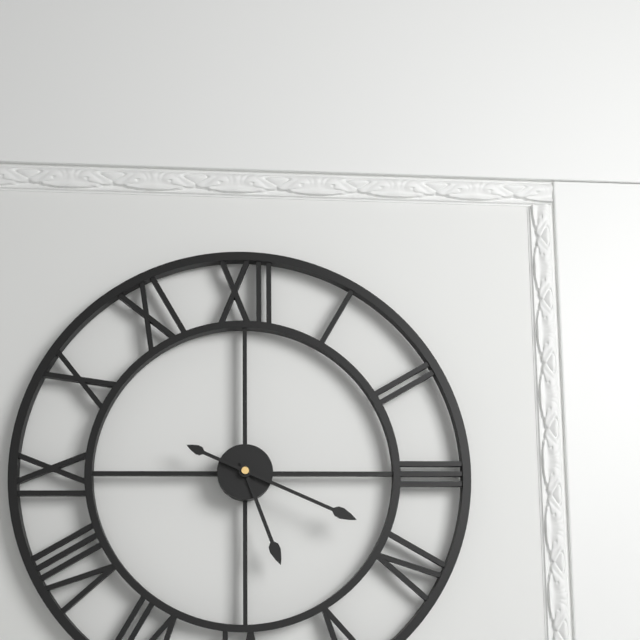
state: 5:19
